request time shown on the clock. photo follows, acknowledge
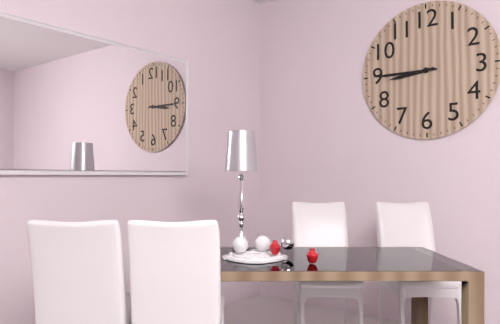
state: 8:45
